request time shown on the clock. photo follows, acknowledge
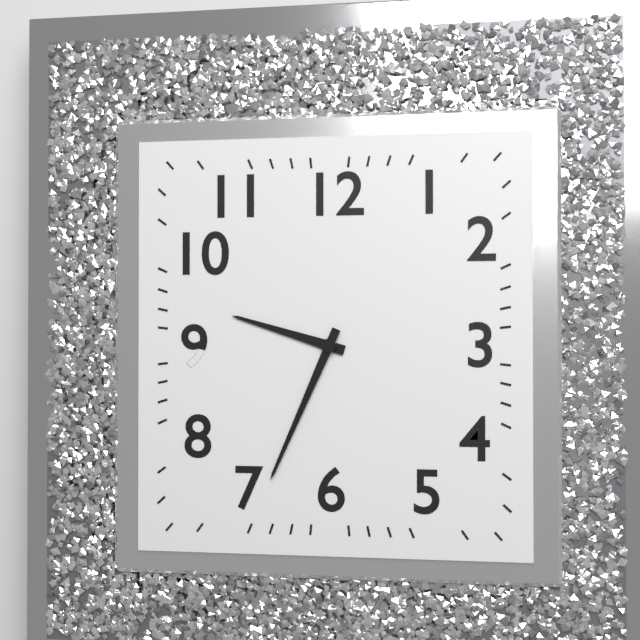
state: 9:34
